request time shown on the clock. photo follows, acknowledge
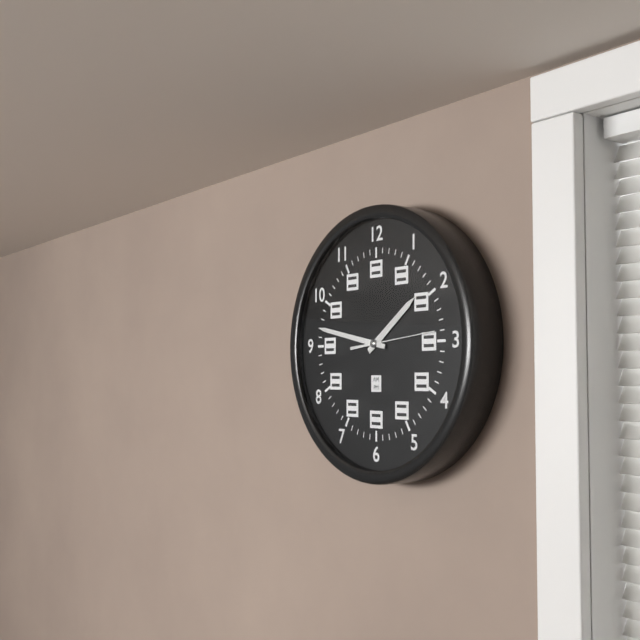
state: 1:47
